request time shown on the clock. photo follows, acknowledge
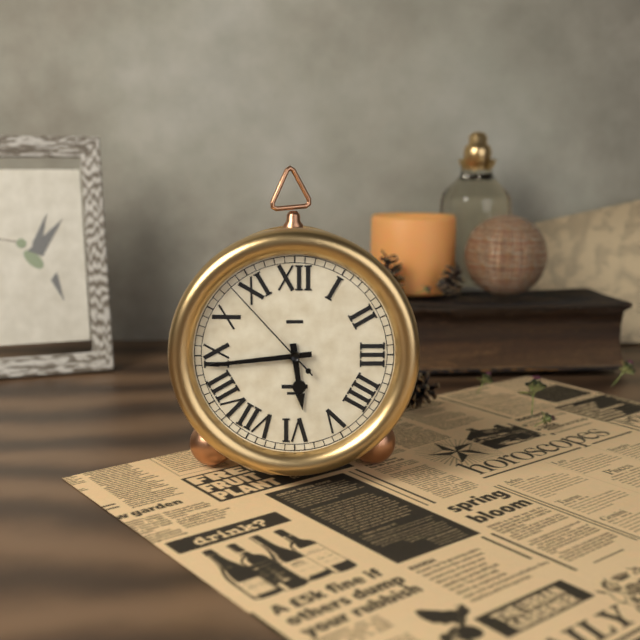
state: 5:44:53
